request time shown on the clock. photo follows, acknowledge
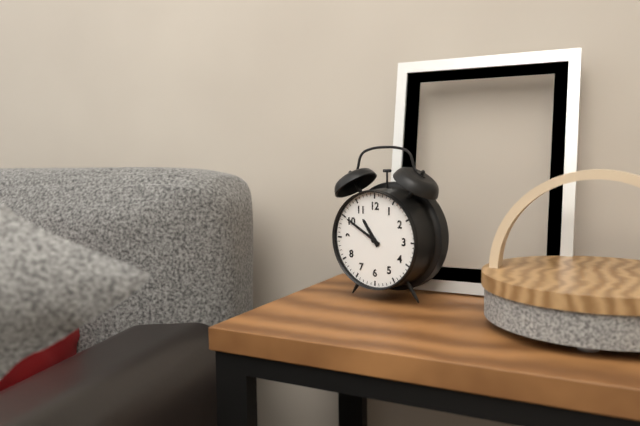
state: 10:50
